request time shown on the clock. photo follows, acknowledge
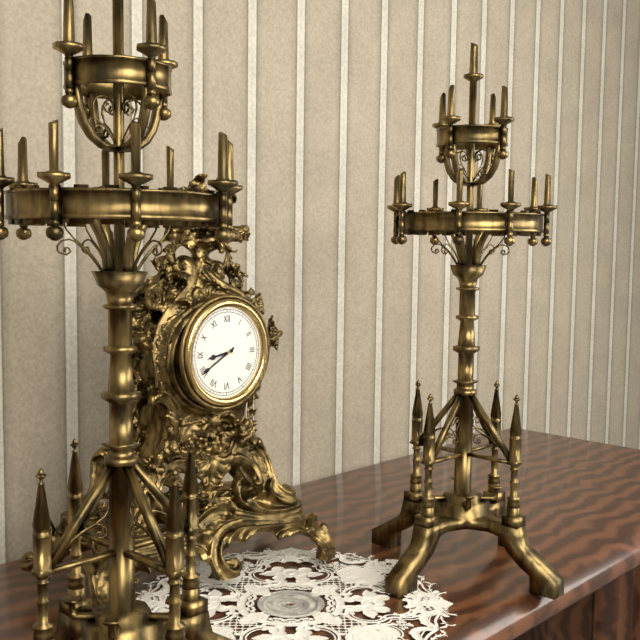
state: 8:40
